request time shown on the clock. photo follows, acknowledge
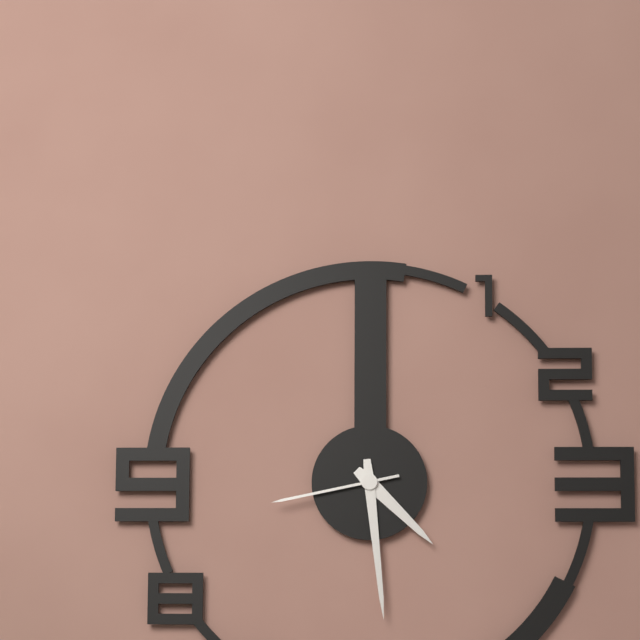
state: 4:29:43
